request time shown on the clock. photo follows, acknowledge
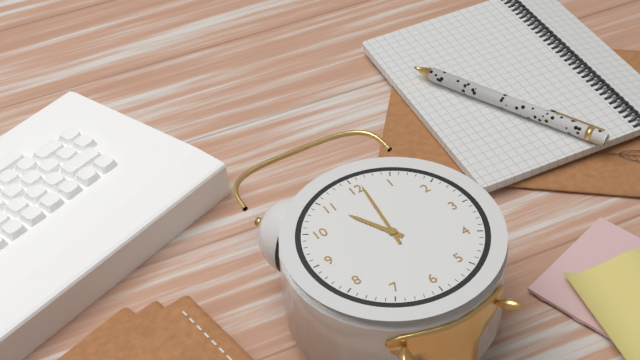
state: 11:01
